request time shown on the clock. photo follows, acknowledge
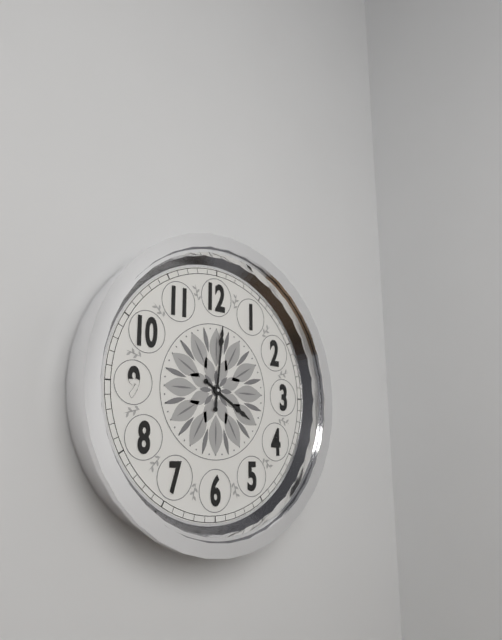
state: 4:01
